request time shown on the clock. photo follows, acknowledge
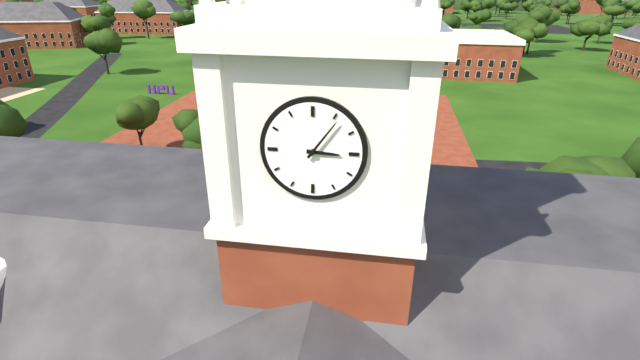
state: 3:06
